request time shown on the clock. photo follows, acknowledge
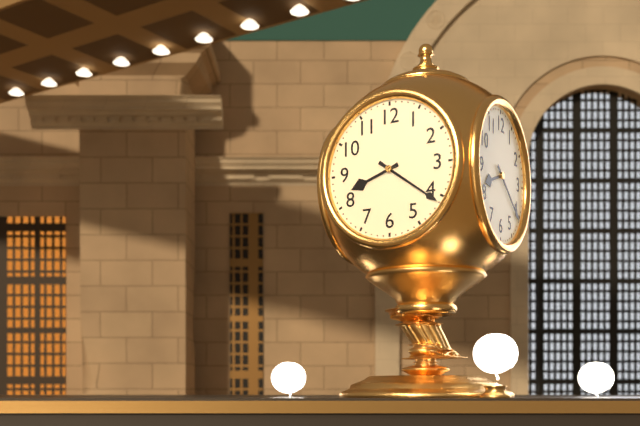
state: 8:21
